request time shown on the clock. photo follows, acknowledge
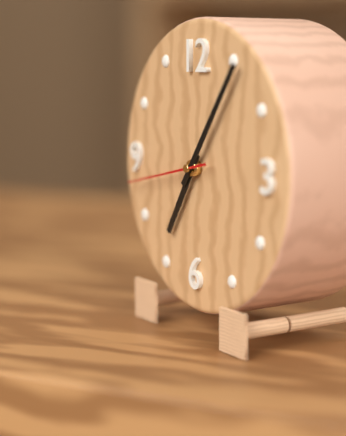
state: 7:06:43
